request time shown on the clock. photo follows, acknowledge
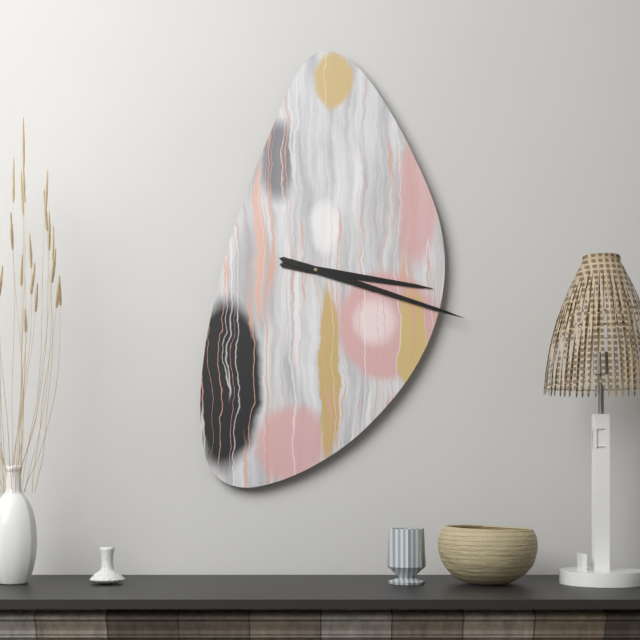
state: 3:18
